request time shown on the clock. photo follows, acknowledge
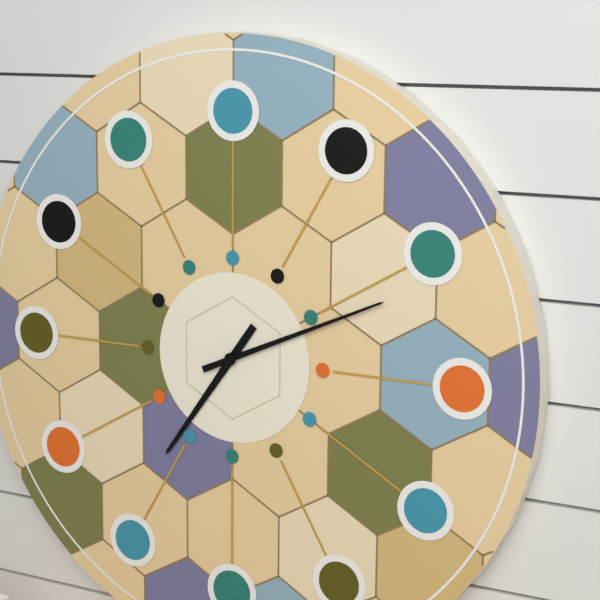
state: 7:11
